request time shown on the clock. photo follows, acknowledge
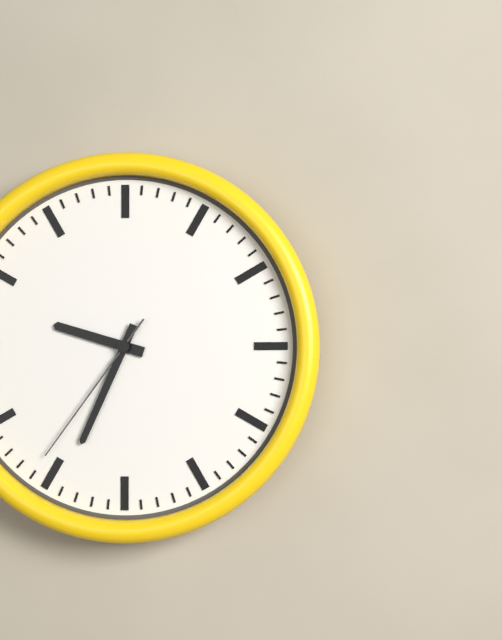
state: 9:34:36
